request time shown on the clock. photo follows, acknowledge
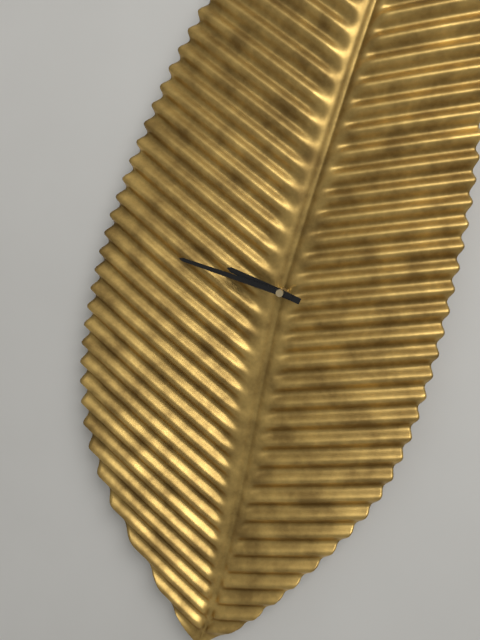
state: 9:48
